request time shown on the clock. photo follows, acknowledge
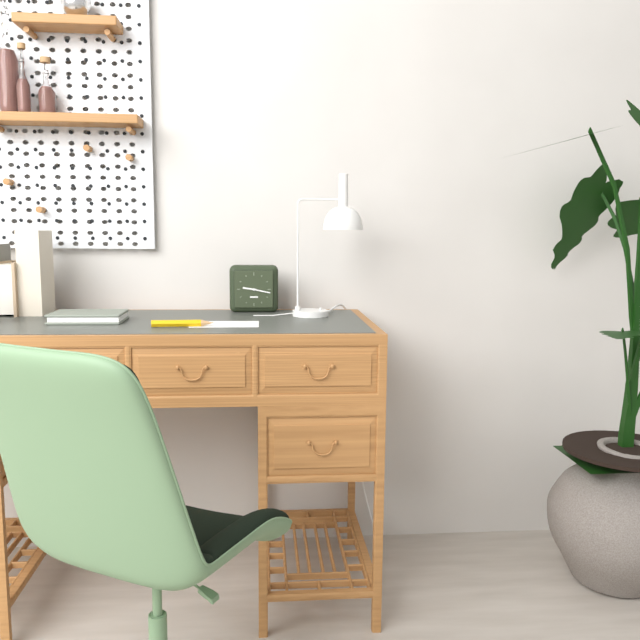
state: 9:17
